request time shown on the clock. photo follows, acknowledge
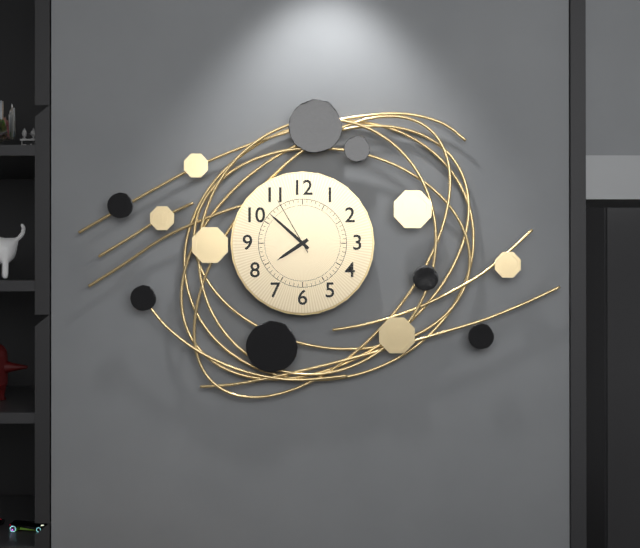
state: 7:52:55
